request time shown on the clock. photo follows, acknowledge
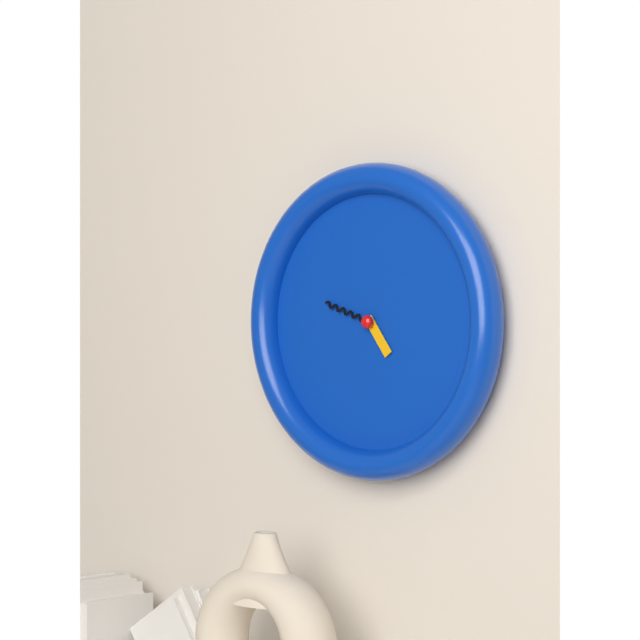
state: 4:48
